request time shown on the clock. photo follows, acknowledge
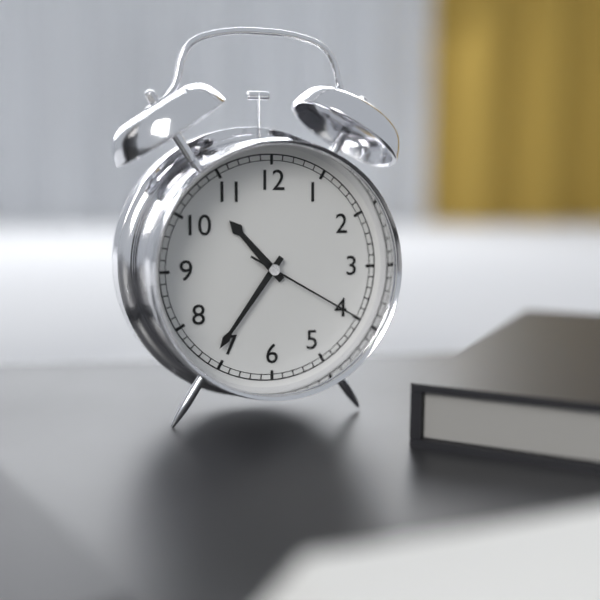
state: 10:36:20
